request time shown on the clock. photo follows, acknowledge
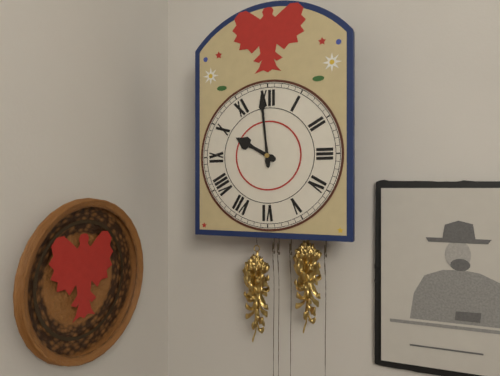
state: 9:59
